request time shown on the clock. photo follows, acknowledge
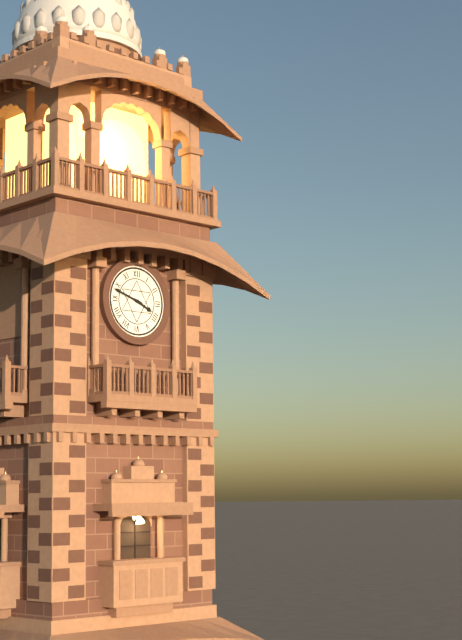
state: 3:48
